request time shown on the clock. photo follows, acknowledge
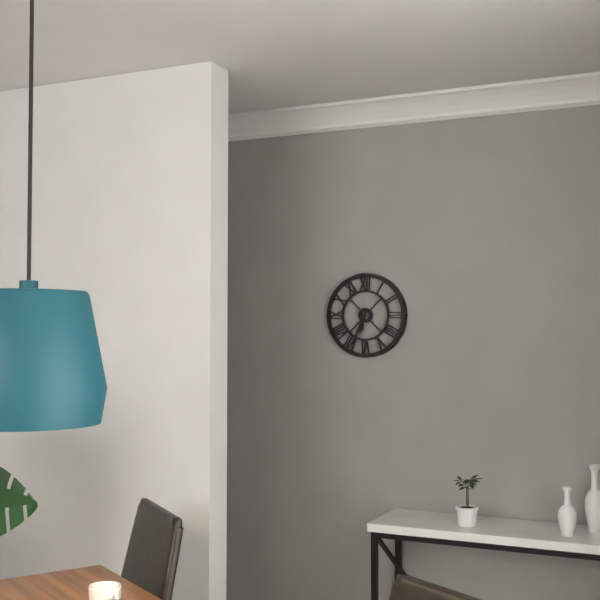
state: 6:34
